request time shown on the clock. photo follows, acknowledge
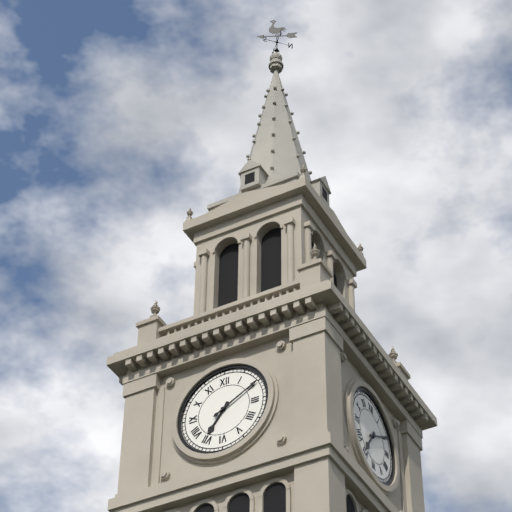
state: 7:10
